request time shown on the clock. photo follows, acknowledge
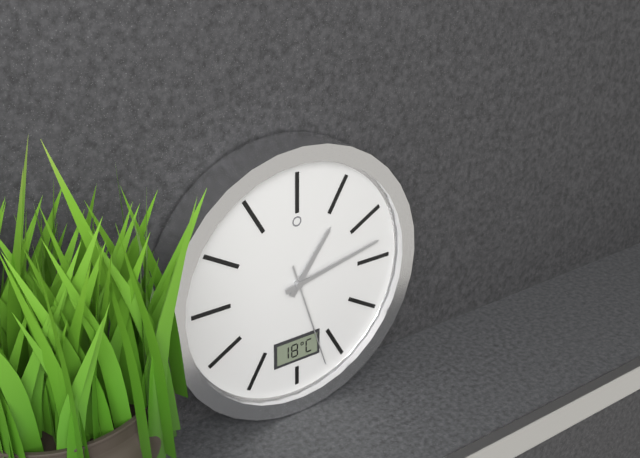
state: 1:13:27
